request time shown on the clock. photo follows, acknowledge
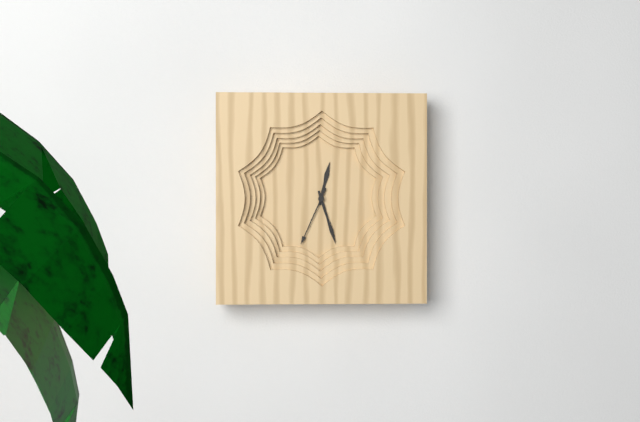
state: 12:27:34
